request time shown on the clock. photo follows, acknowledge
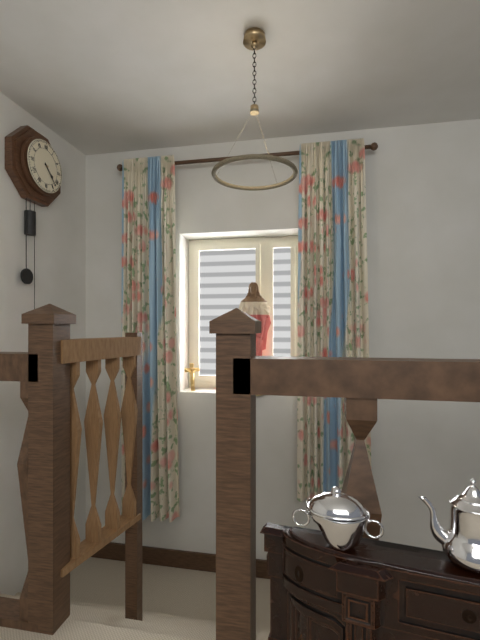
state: 4:23
